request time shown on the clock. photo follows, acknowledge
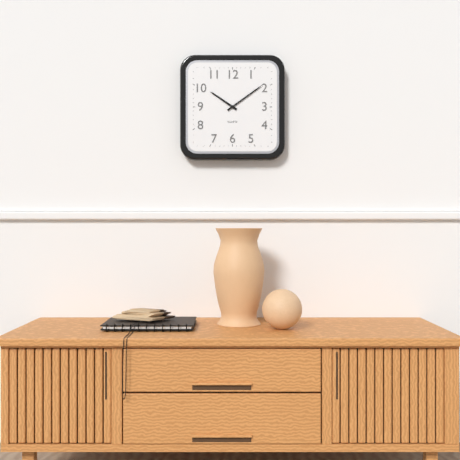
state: 10:09
